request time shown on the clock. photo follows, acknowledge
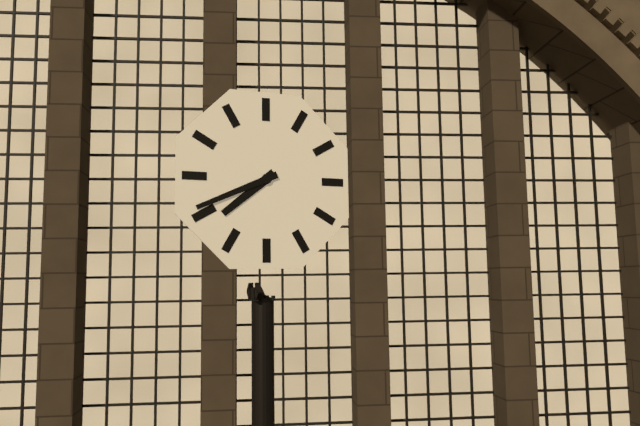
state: 7:41
